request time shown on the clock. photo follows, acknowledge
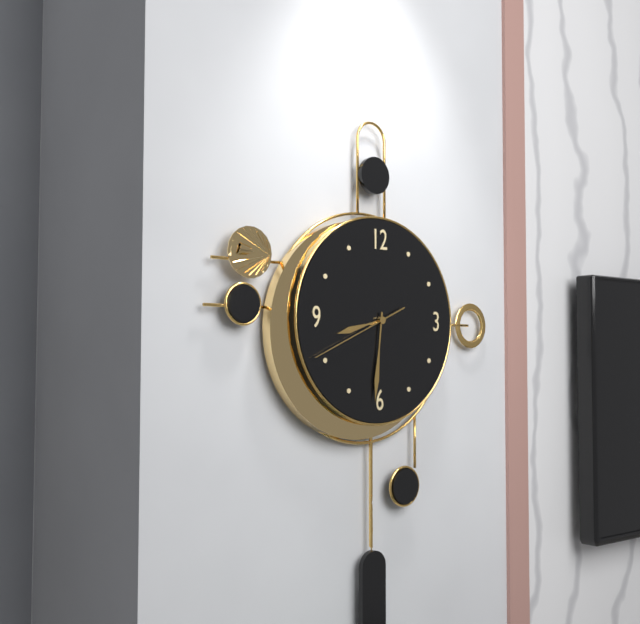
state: 8:31:41
